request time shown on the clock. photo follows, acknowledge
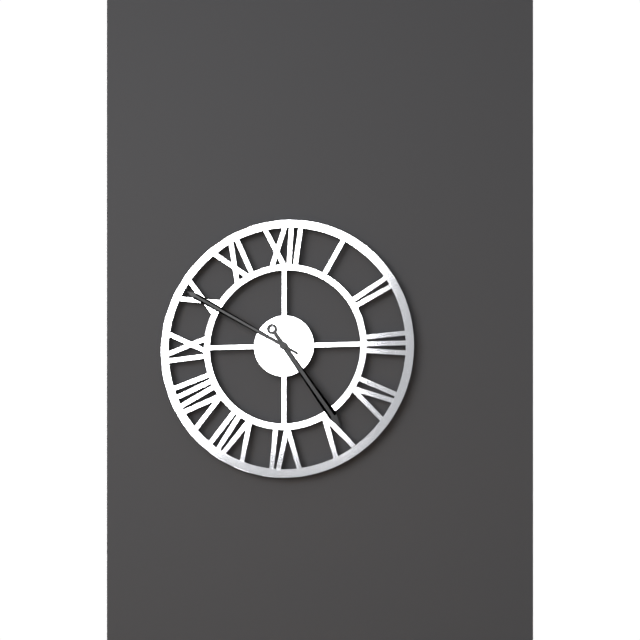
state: 4:50
